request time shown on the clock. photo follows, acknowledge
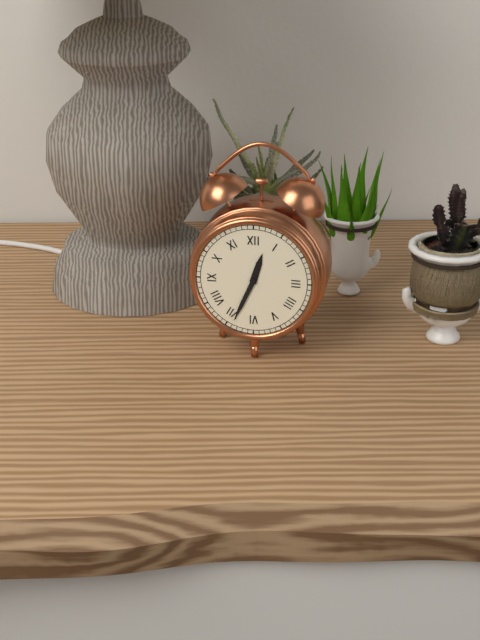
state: 12:34
